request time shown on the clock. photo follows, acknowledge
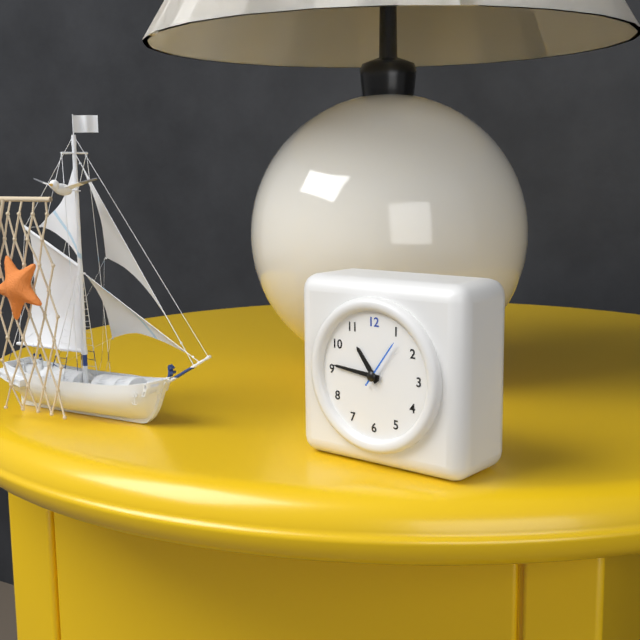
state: 10:46:06
